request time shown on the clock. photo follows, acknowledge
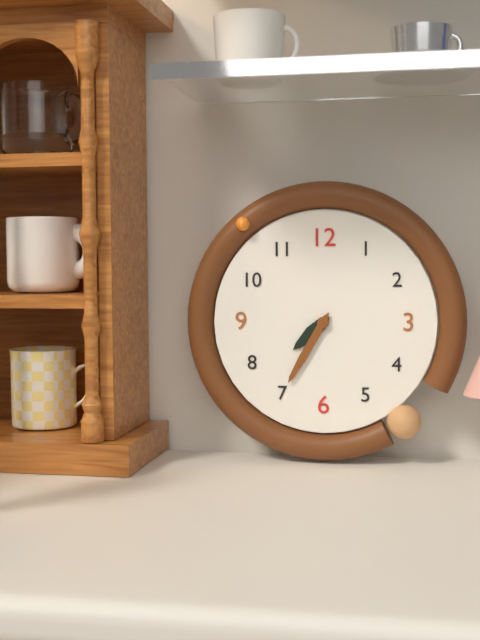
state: 7:35
